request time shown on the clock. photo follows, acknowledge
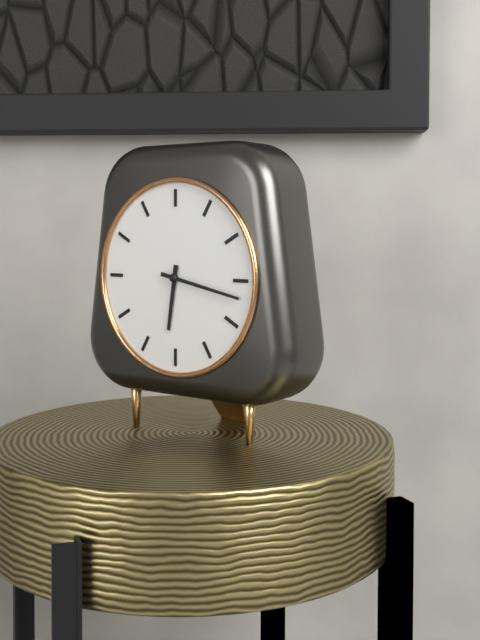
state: 6:17
